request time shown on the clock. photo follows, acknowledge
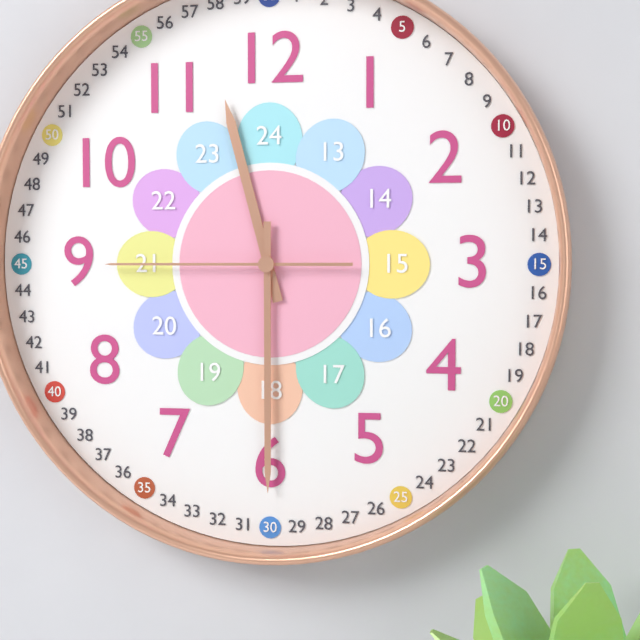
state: 11:30:45
